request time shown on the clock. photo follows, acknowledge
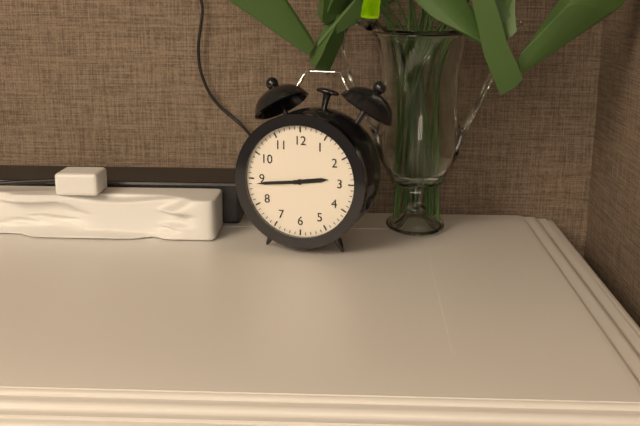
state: 2:44
